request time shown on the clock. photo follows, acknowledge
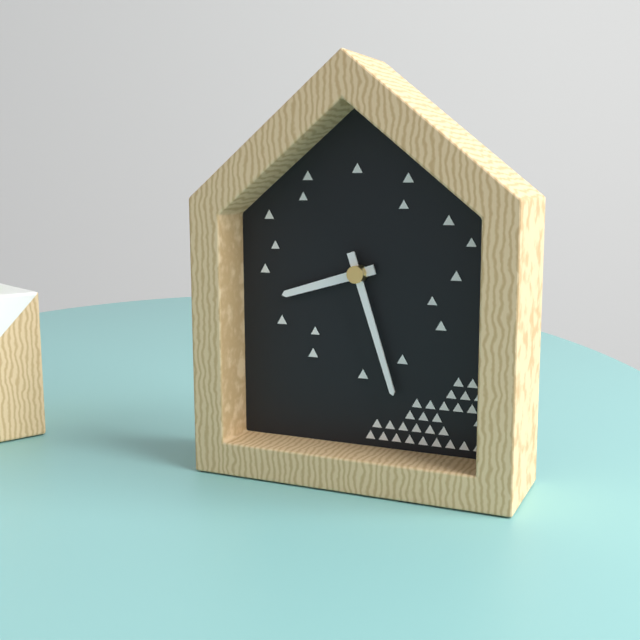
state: 8:27
